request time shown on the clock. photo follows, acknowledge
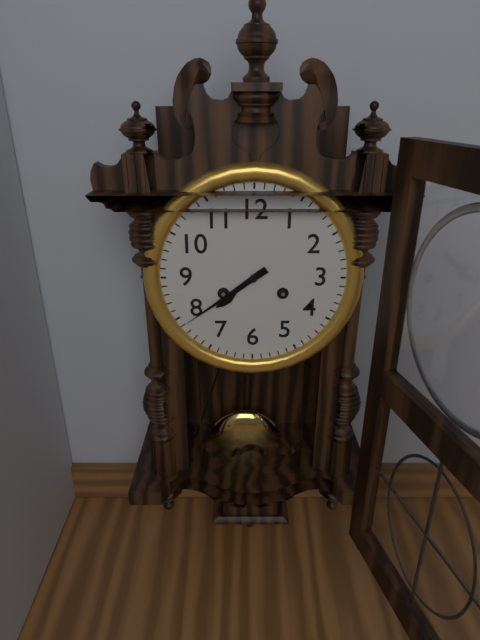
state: 7:39
